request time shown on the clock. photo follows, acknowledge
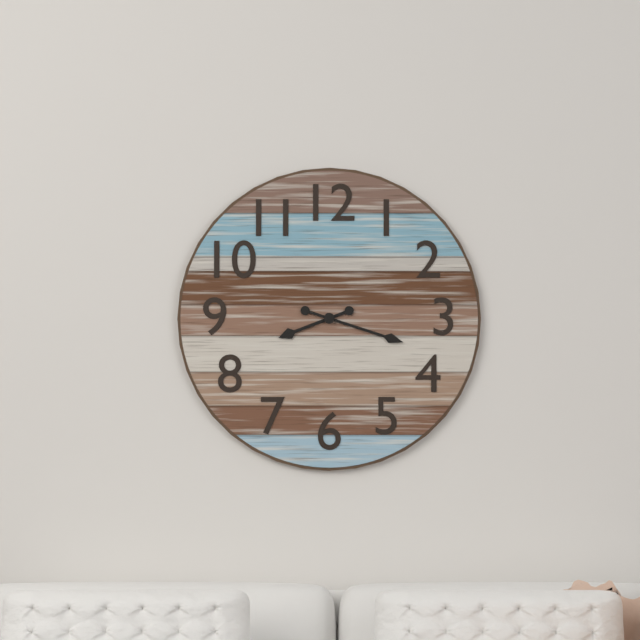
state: 8:18
